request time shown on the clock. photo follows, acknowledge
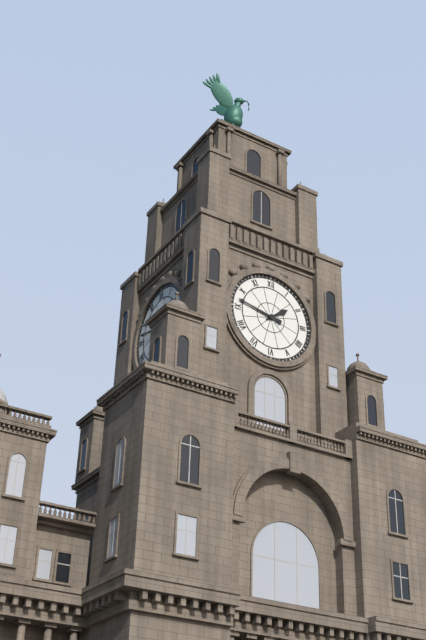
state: 1:47
